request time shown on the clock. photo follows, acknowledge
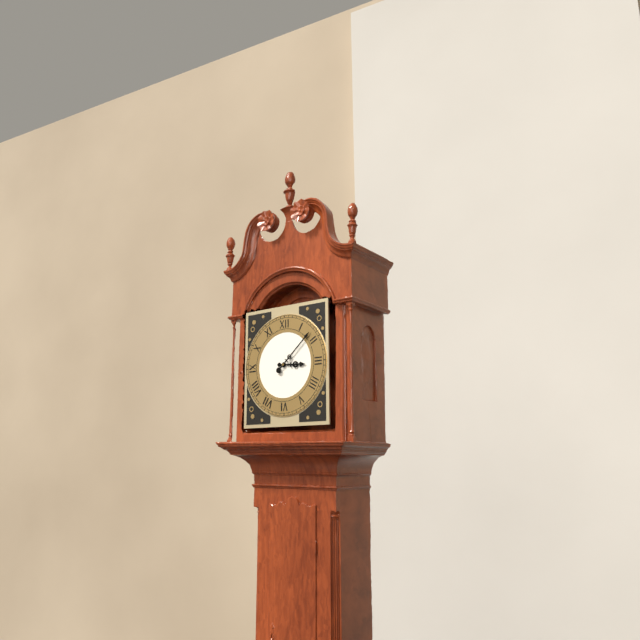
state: 3:08
